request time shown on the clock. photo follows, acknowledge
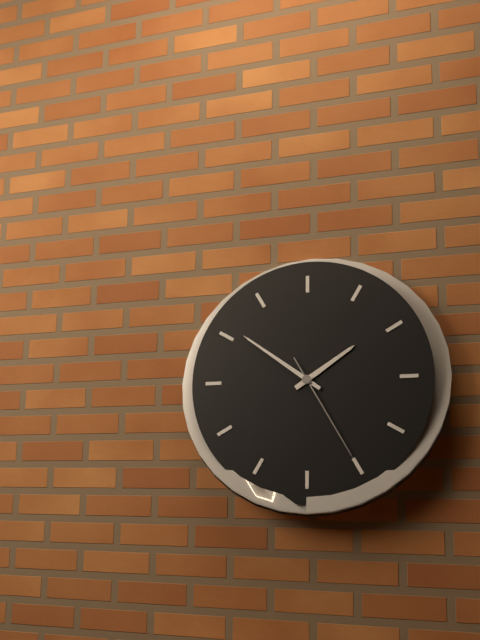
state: 1:51:25
